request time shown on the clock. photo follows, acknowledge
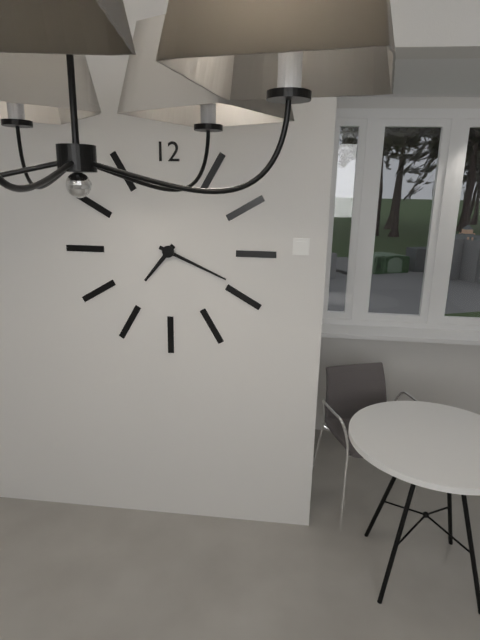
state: 7:19
